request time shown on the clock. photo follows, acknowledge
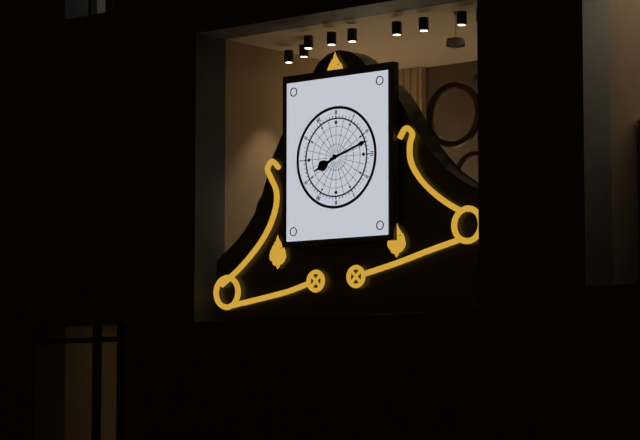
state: 8:12
